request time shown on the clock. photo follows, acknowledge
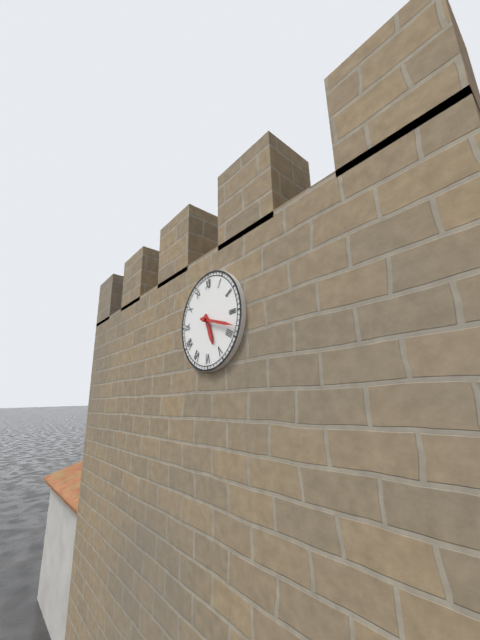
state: 5:18
